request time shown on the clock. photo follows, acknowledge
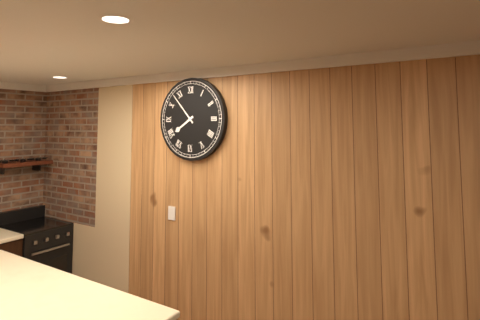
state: 7:53
